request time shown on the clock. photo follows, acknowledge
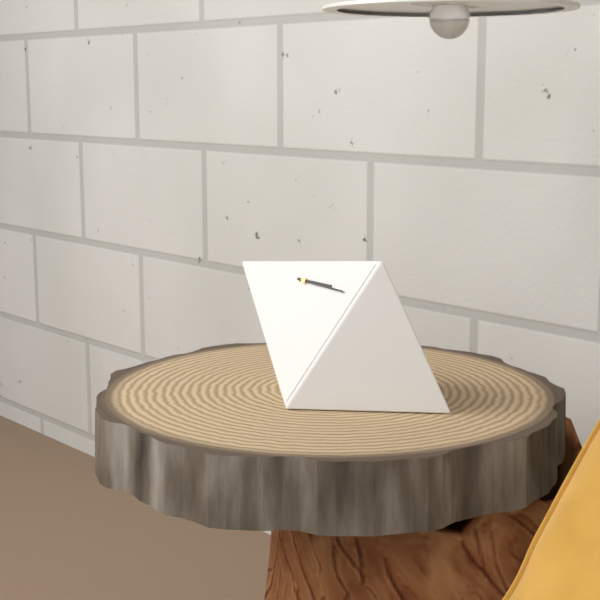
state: 3:17
